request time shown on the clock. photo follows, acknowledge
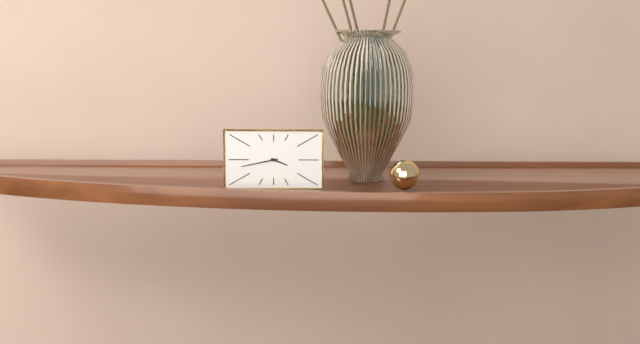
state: 3:43
